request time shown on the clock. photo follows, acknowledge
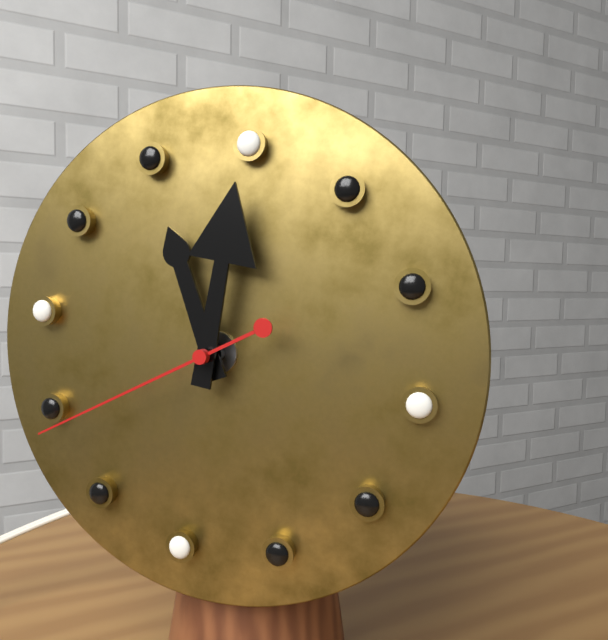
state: 11:00:39
